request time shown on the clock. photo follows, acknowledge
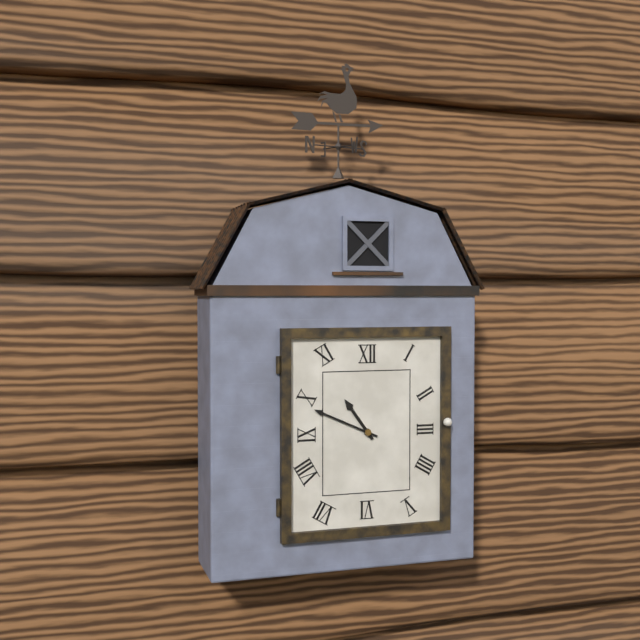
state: 10:49
